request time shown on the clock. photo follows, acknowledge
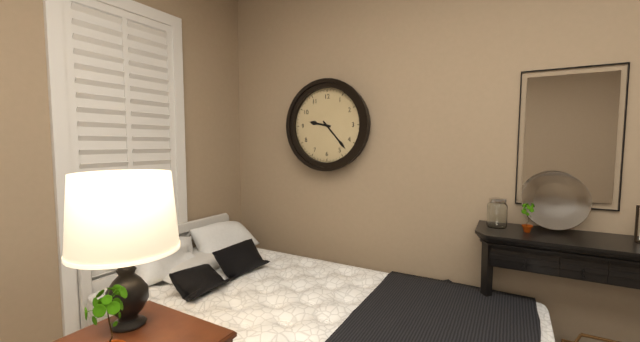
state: 9:23
